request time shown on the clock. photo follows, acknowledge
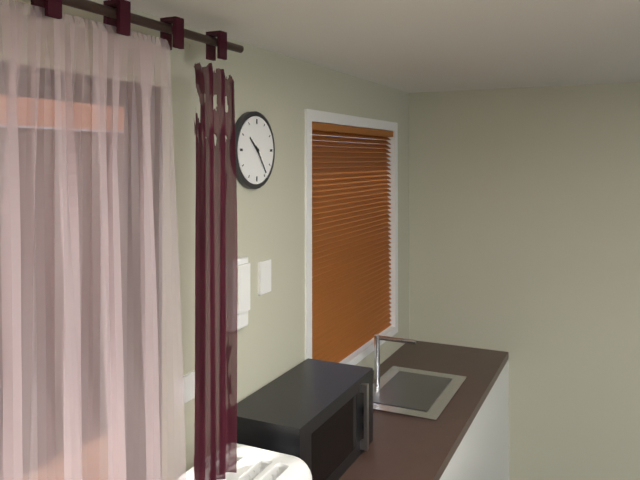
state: 10:24
